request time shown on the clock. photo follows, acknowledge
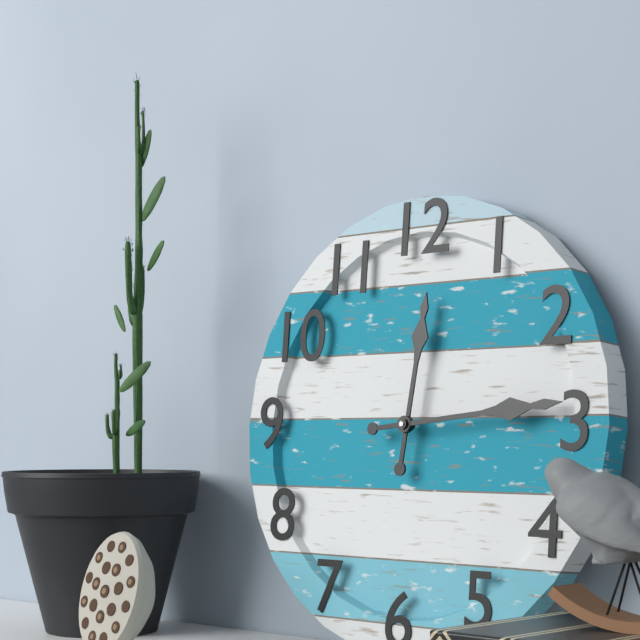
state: 12:14
